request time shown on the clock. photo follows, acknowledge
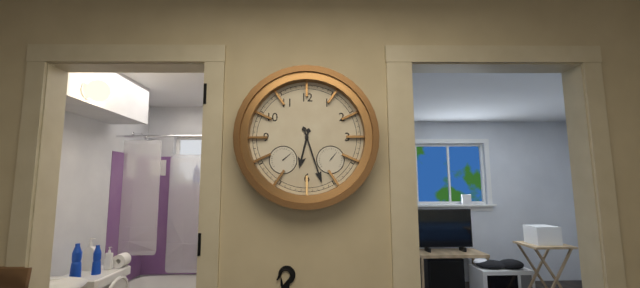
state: 6:27
